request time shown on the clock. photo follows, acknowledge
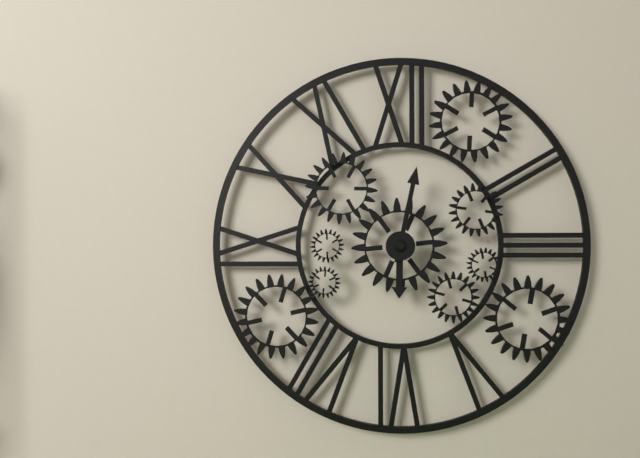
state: 6:02
